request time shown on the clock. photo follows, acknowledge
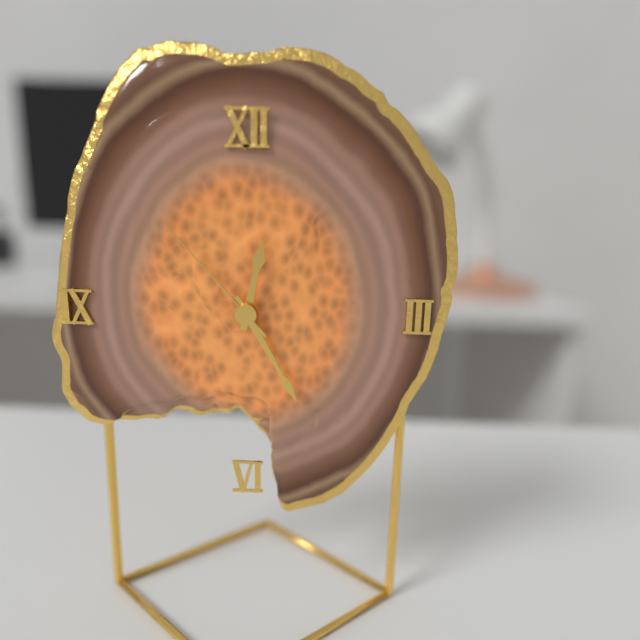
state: 12:25:53
